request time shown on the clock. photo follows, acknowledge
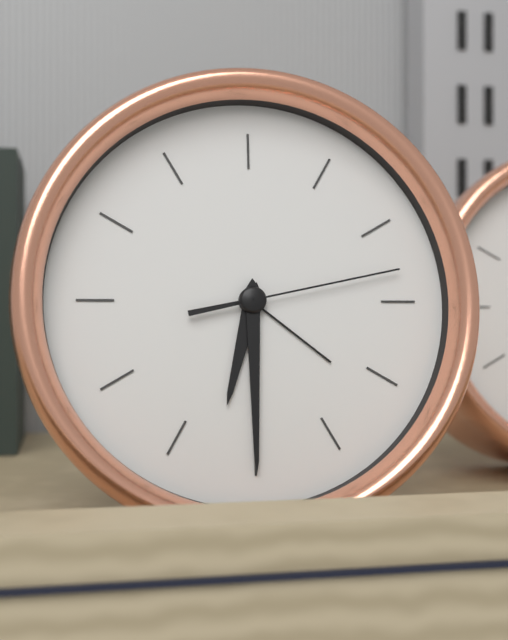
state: 6:30:13
